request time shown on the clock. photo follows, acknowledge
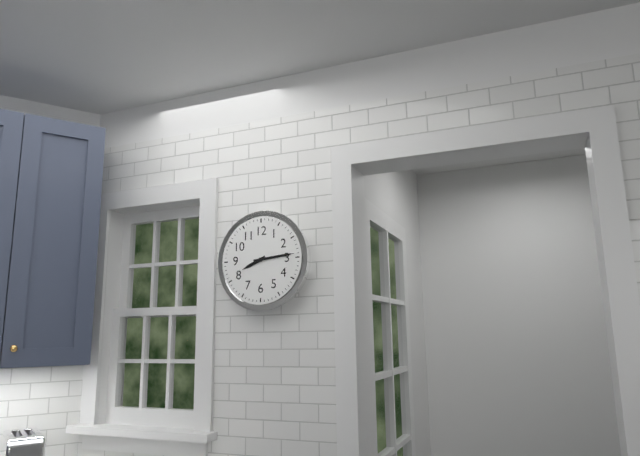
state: 8:14
